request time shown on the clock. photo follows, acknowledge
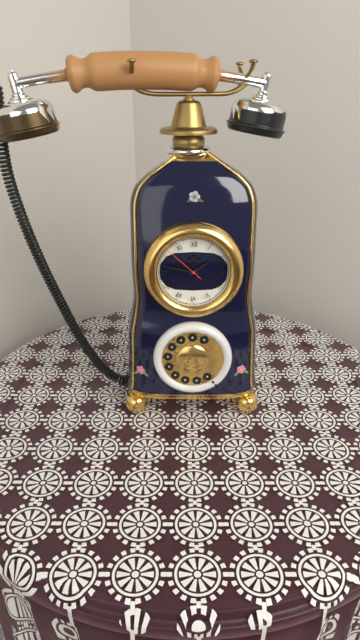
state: 1:47
